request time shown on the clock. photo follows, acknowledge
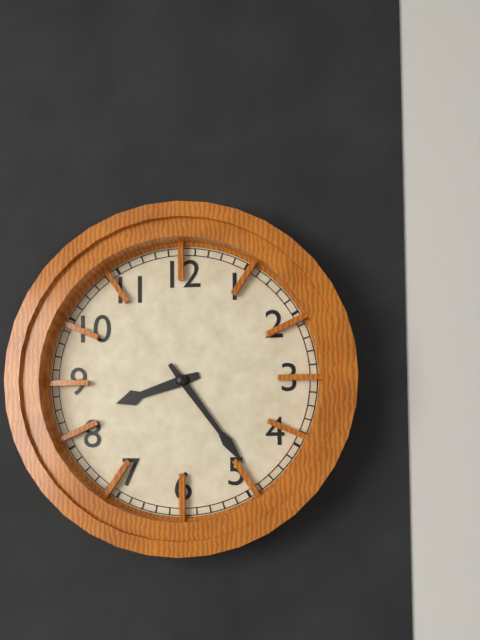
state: 8:24
